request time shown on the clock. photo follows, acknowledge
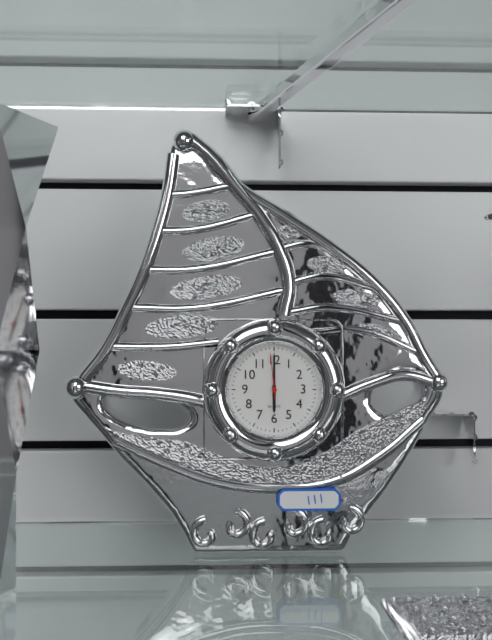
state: 6:00
